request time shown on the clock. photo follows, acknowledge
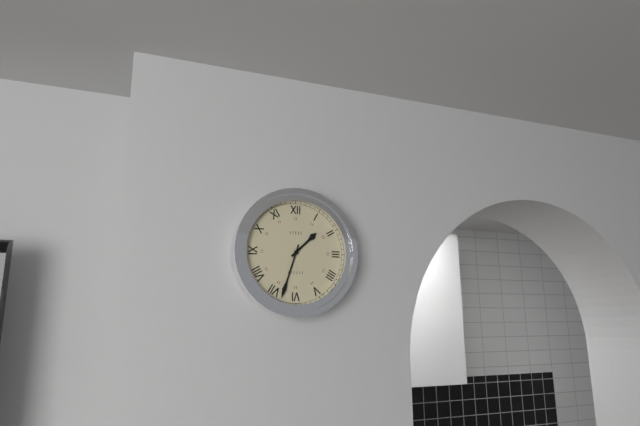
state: 1:33
